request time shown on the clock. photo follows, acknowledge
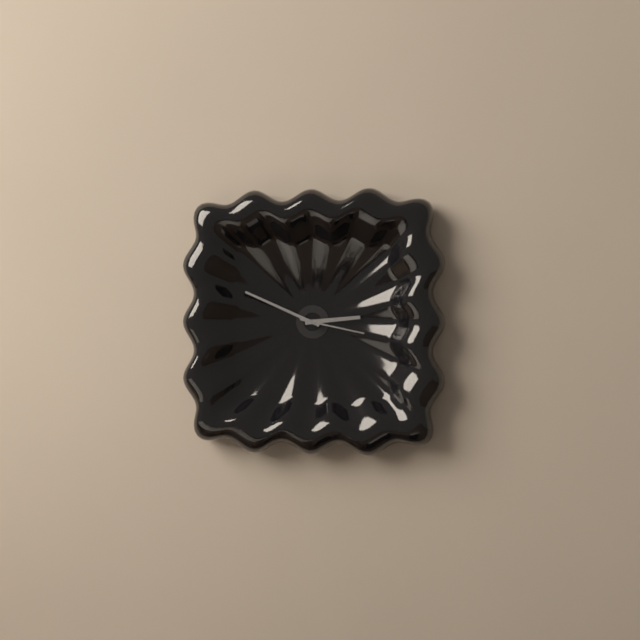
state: 2:49:17
